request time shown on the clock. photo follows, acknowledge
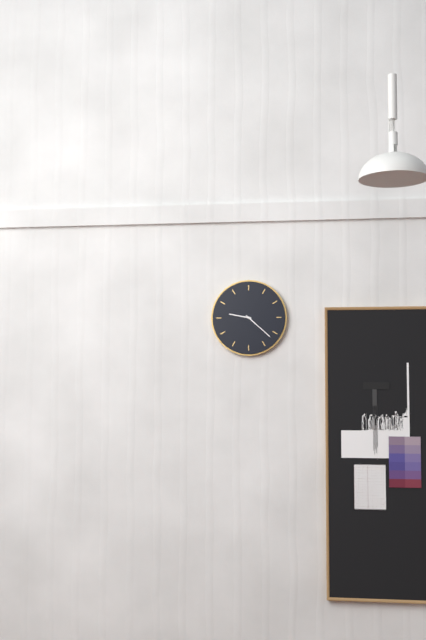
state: 9:22
